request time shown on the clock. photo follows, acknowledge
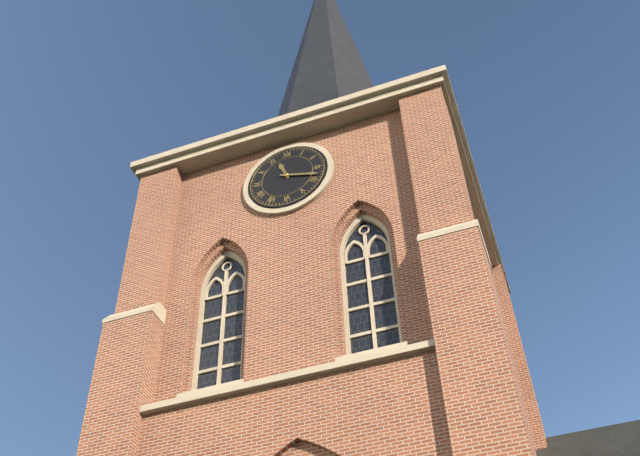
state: 11:18
